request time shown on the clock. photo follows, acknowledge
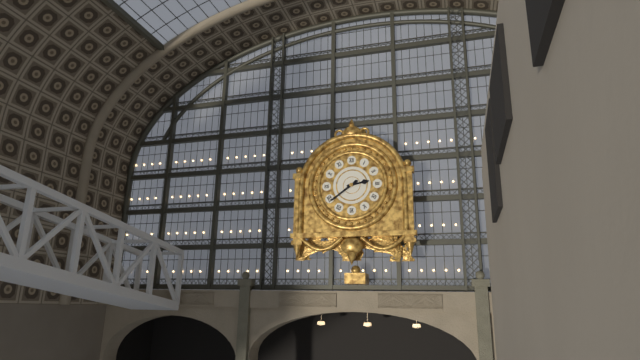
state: 2:39
